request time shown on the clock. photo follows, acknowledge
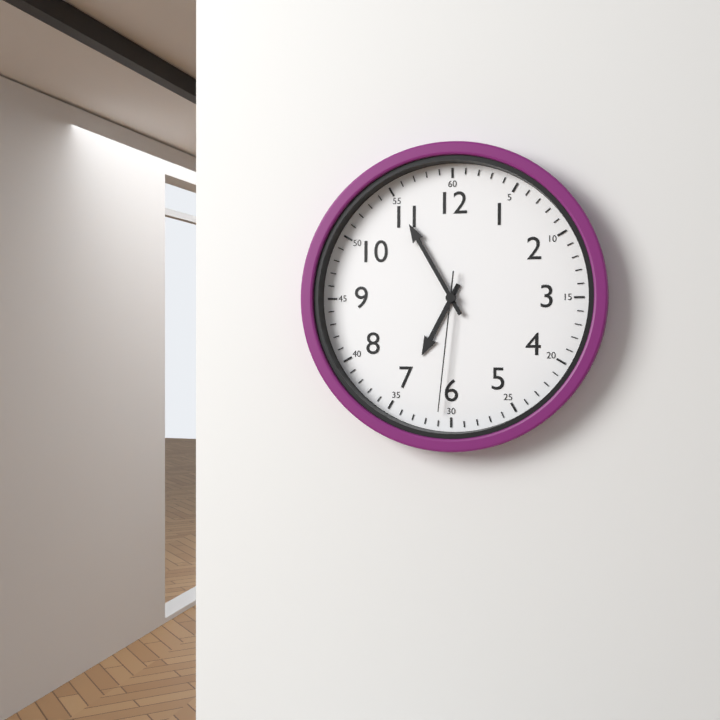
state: 6:55:31
